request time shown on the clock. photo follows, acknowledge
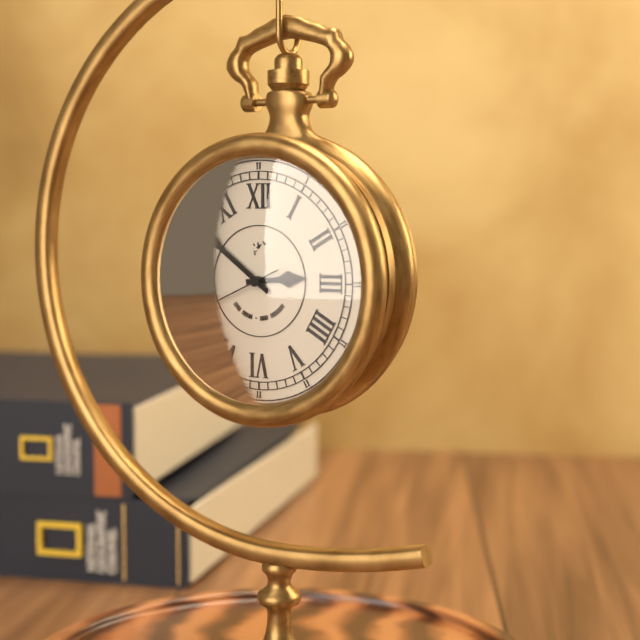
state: 2:51:41
